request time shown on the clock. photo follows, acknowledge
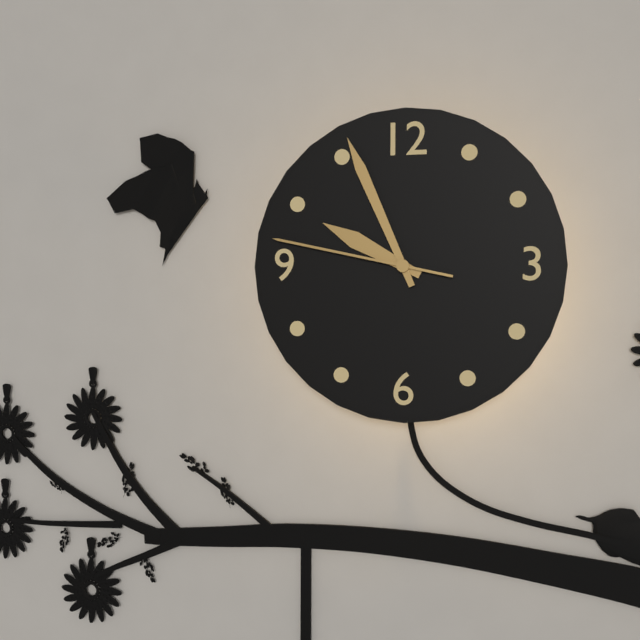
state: 9:56:47
